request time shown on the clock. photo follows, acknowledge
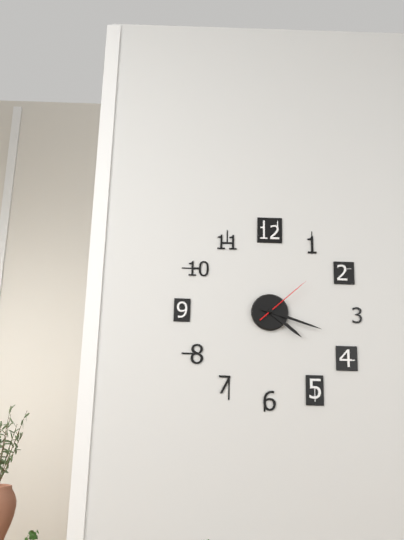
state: 4:18:08
